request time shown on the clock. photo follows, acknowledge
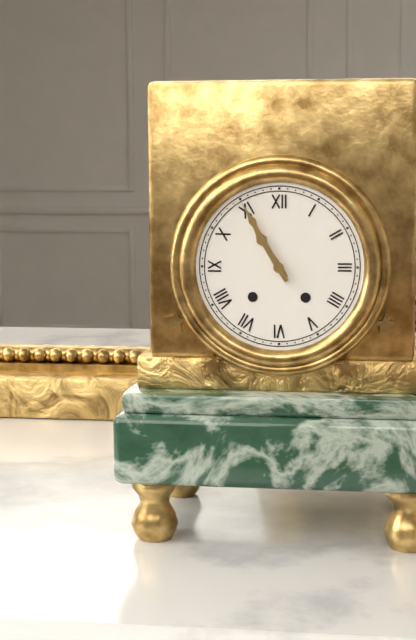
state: 10:55
